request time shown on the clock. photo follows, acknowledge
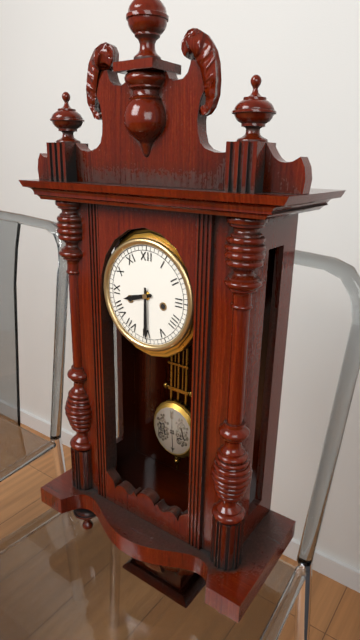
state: 8:30
